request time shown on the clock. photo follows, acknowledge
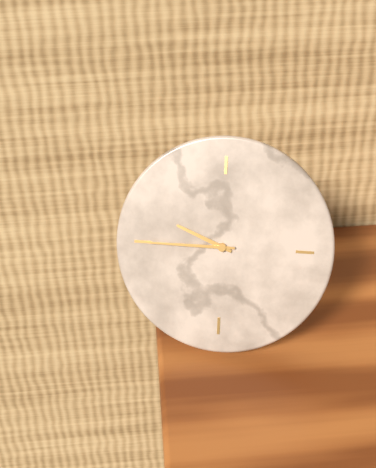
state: 9:45
